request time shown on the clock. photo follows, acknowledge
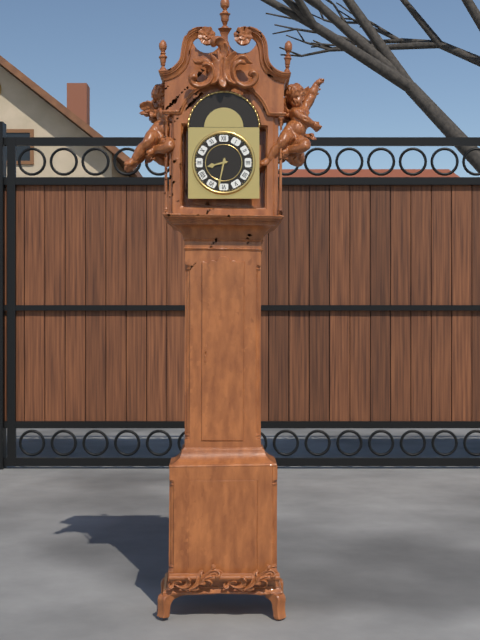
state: 8:32
